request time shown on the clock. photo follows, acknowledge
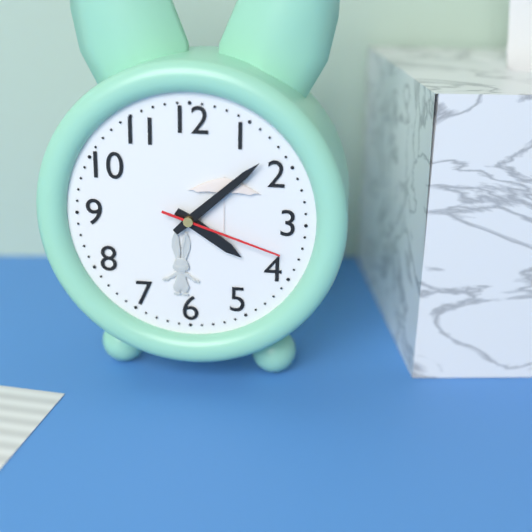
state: 4:08:18
